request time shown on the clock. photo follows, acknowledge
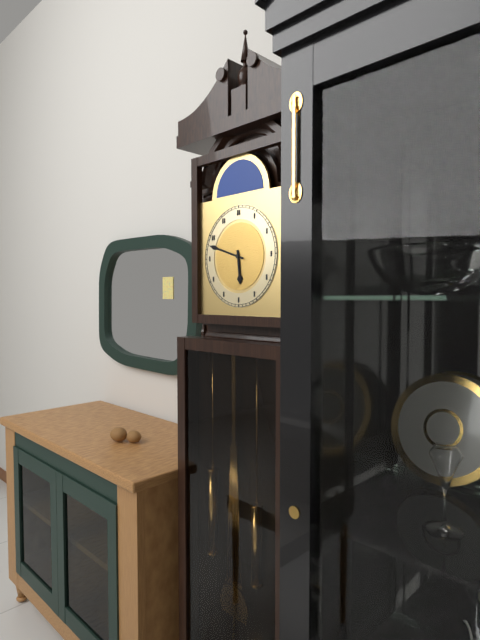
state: 5:48
